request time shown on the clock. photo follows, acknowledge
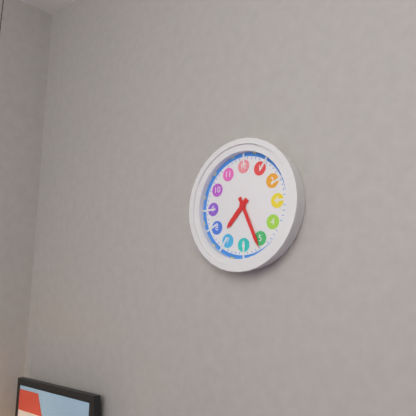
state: 7:26
